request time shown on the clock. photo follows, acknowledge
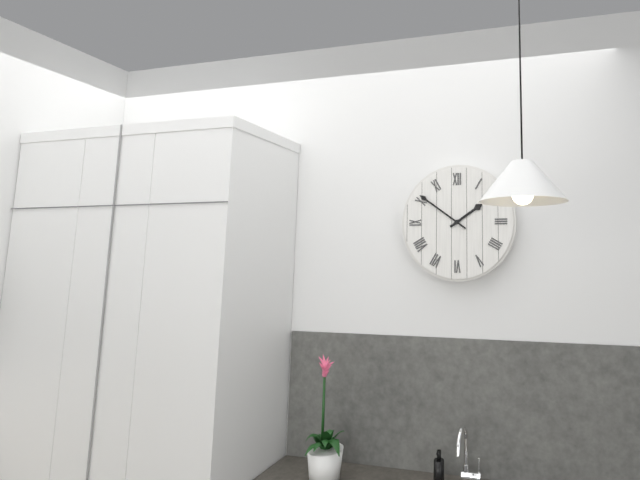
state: 1:51
